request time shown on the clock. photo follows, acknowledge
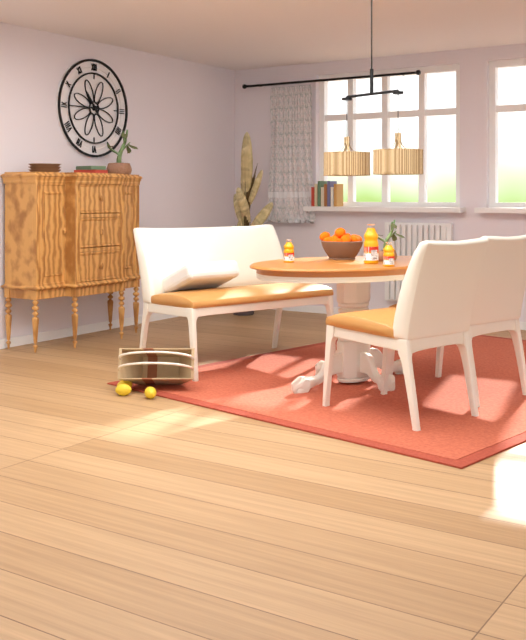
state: 10:45
